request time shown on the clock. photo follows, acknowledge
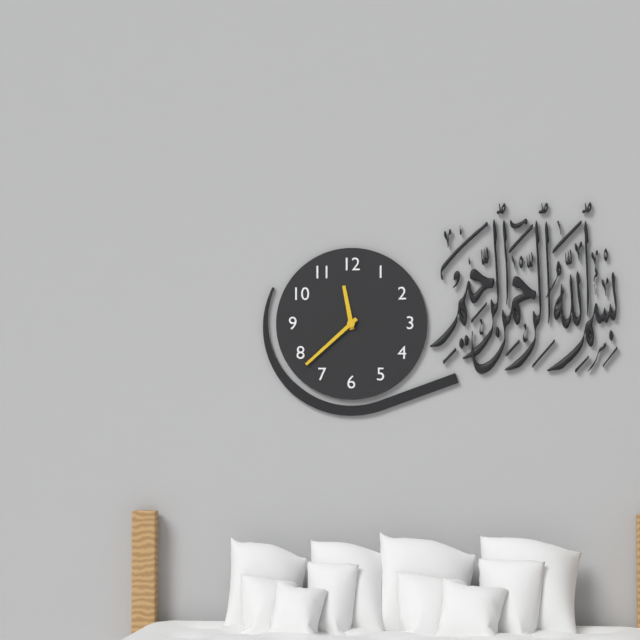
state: 11:38
